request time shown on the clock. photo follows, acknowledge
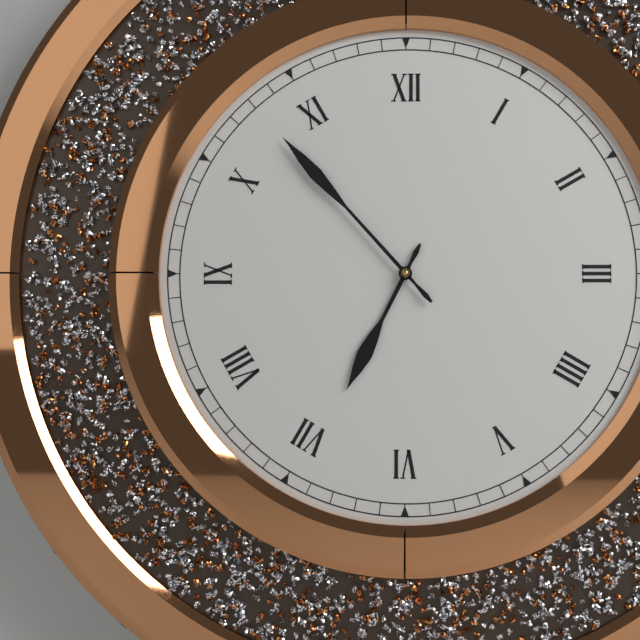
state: 6:53
